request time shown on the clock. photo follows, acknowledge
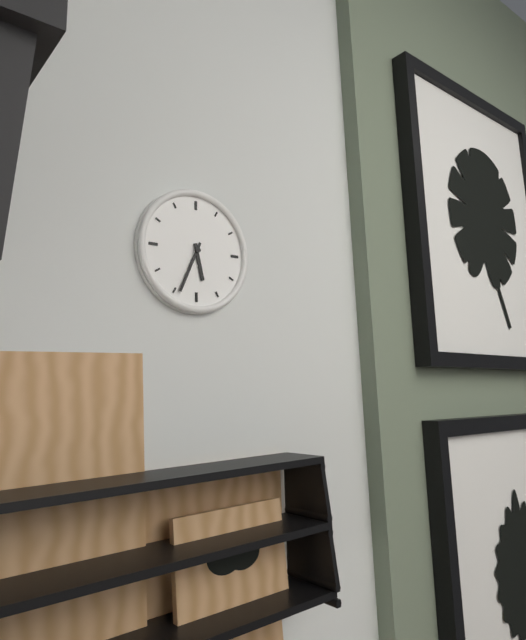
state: 5:34
